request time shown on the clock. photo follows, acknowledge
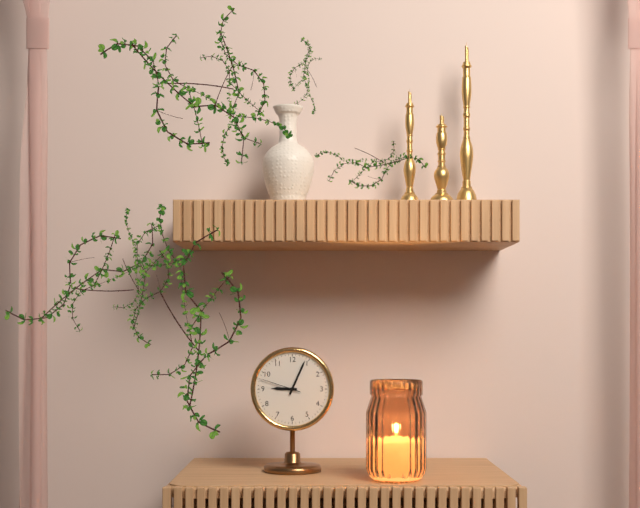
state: 9:04
